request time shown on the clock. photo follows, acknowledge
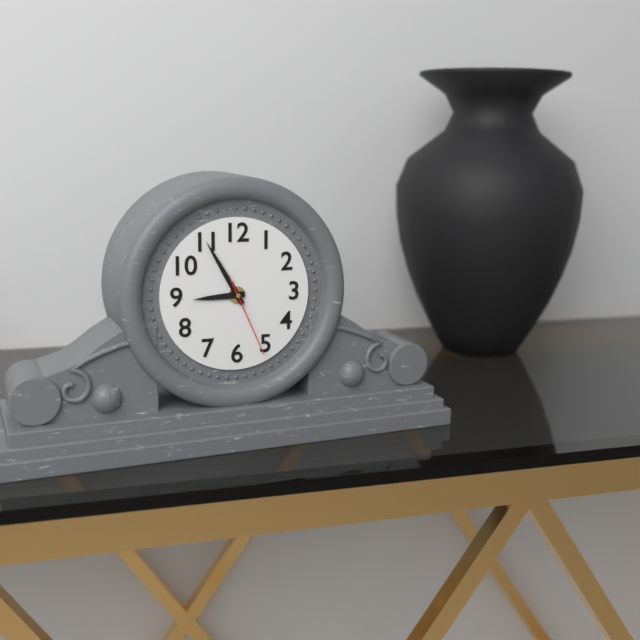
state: 8:55:26
